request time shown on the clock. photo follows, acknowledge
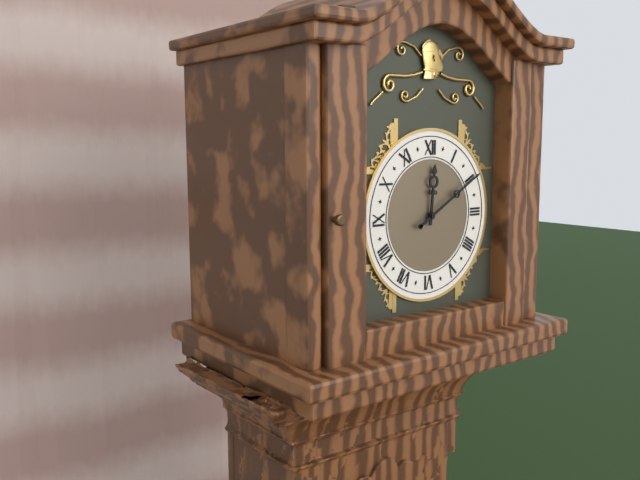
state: 12:10
